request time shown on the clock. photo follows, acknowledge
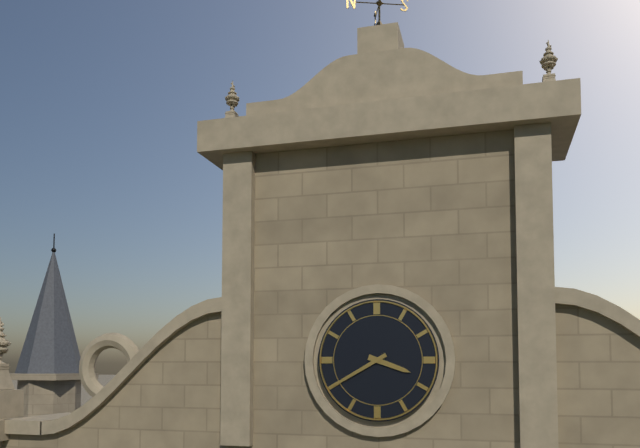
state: 3:40
